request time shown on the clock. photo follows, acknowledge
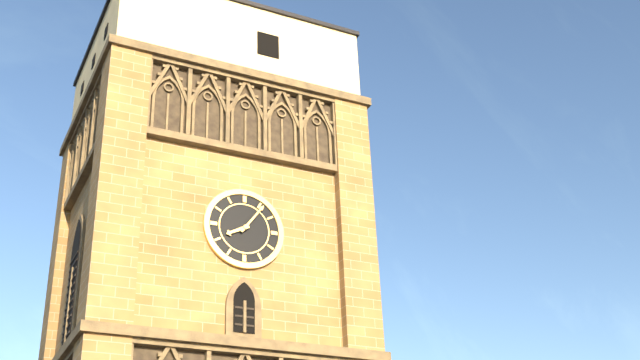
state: 8:06
